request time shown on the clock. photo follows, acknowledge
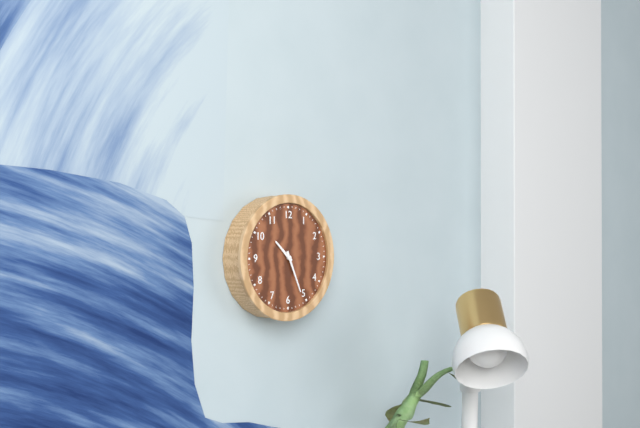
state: 10:26
